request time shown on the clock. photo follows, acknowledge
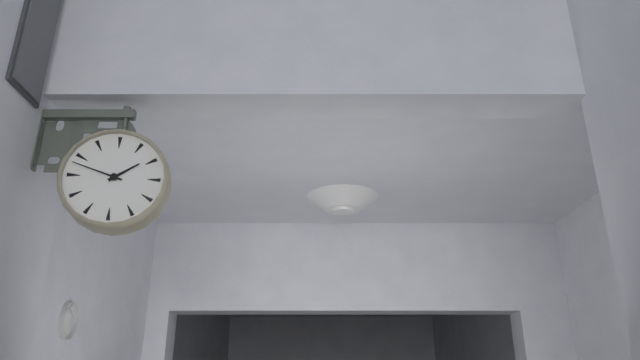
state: 1:48
